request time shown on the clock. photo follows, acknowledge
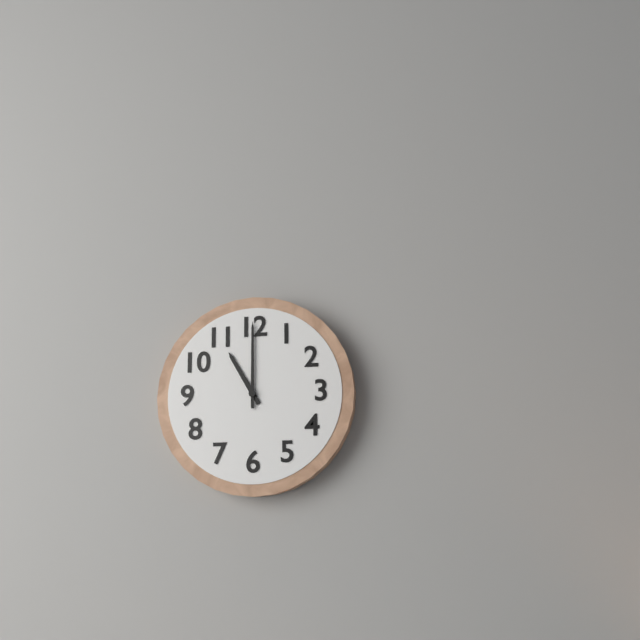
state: 11:00
